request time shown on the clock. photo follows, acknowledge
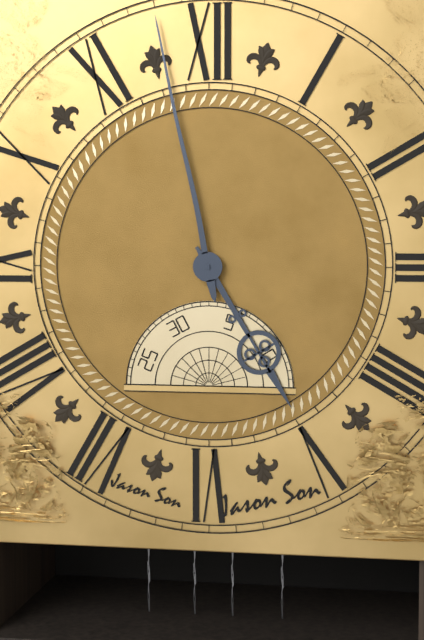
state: 4:58
